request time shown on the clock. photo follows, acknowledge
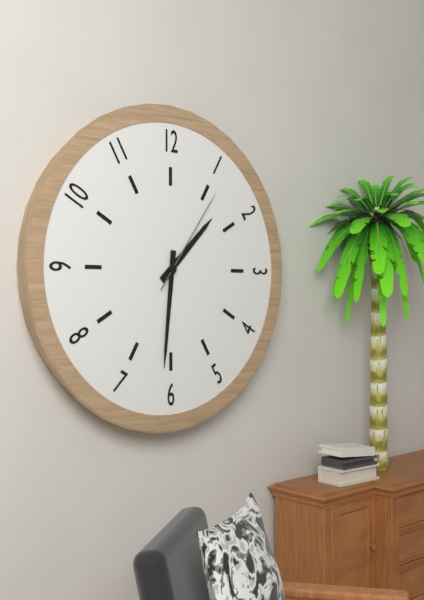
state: 1:31:06
